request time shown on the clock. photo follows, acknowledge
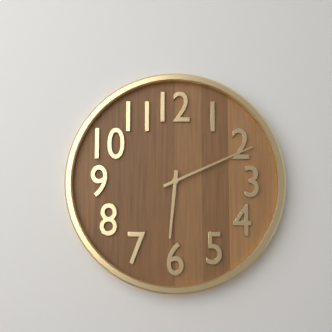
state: 6:11
